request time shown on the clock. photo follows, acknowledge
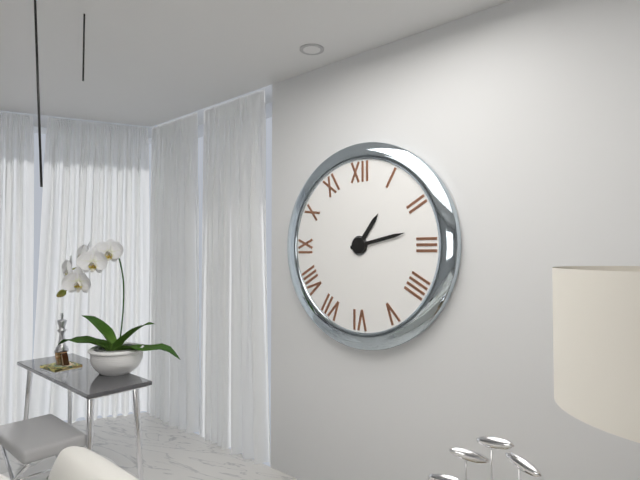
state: 1:13
